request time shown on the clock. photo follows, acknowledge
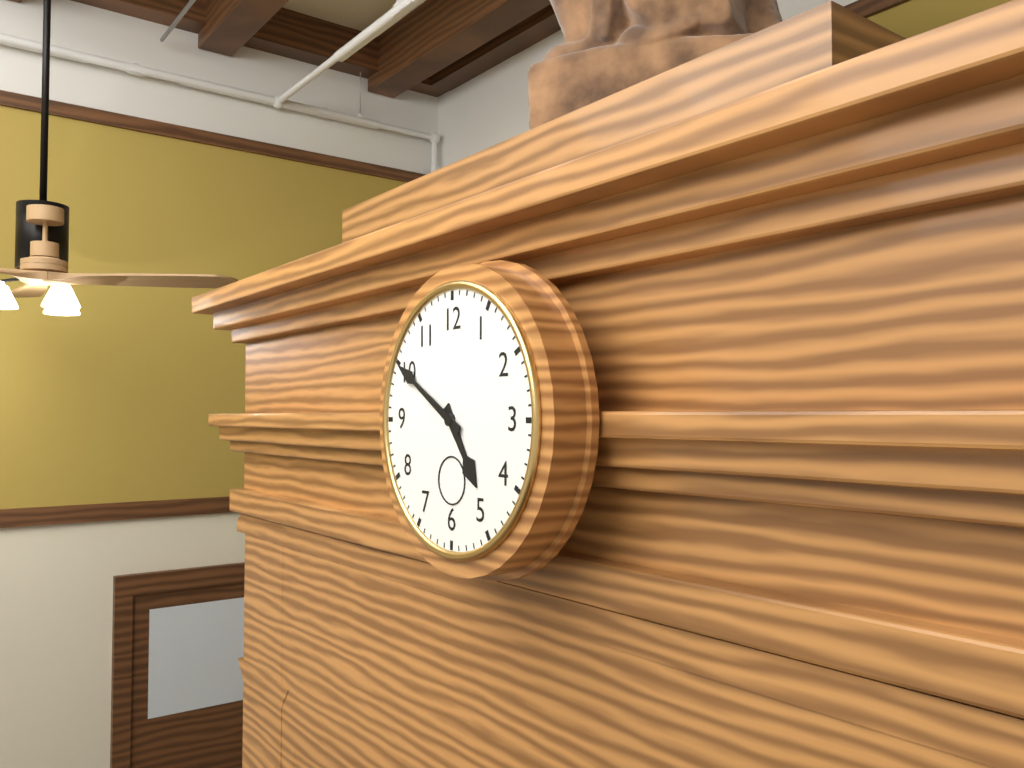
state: 4:50
